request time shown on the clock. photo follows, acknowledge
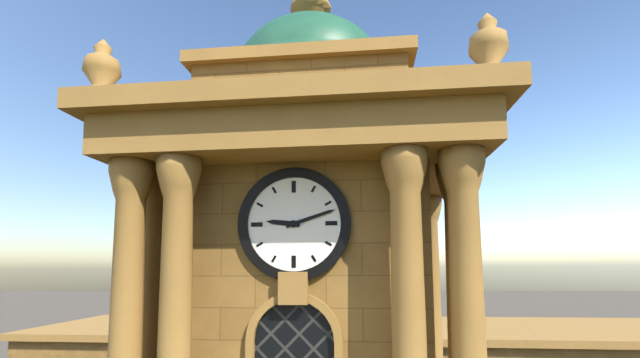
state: 9:12
